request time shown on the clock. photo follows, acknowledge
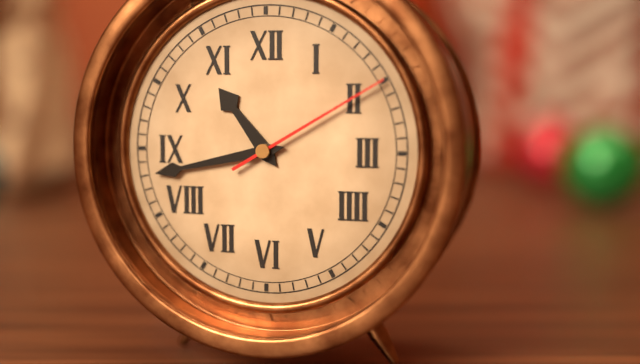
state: 10:43:10
